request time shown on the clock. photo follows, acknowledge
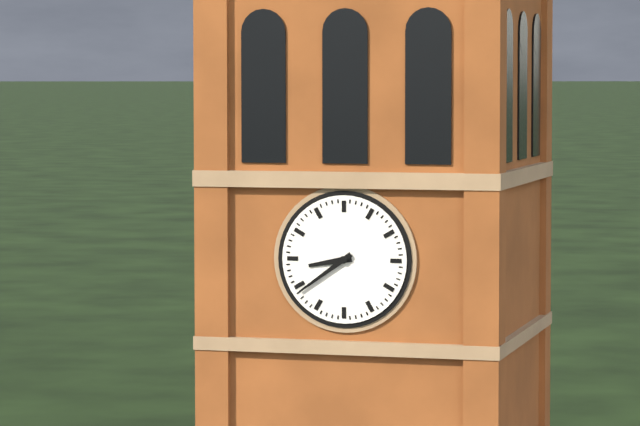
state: 8:39
